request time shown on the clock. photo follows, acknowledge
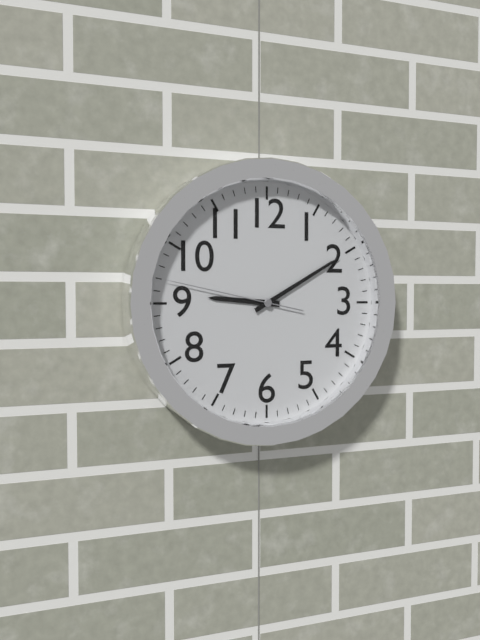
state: 9:10:47
